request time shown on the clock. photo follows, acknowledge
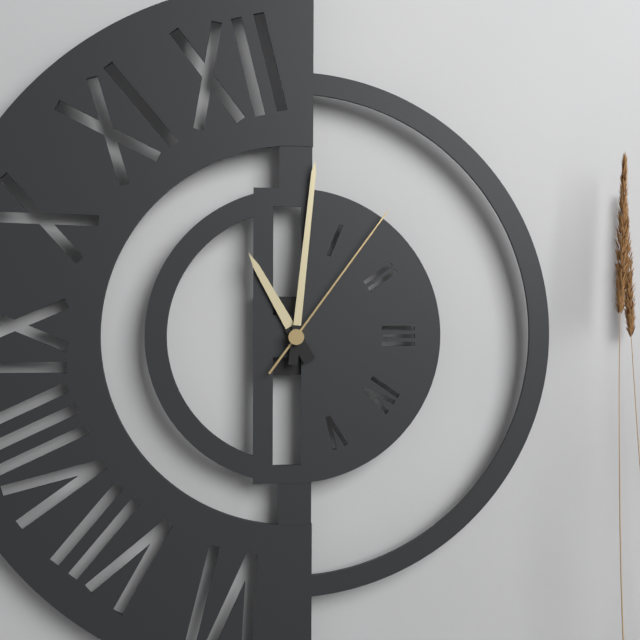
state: 11:01:06
